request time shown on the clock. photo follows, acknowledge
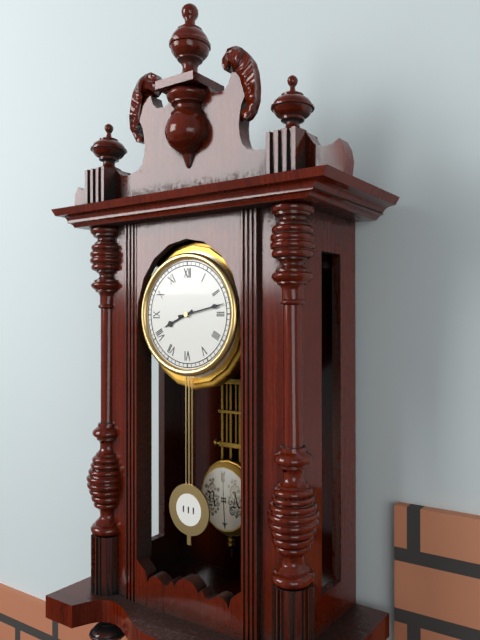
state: 8:13
